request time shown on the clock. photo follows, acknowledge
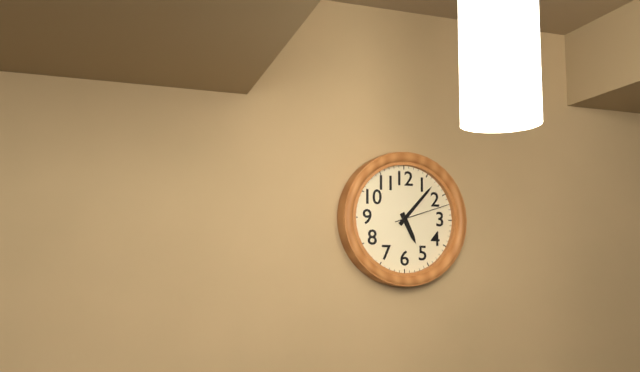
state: 5:07:12
